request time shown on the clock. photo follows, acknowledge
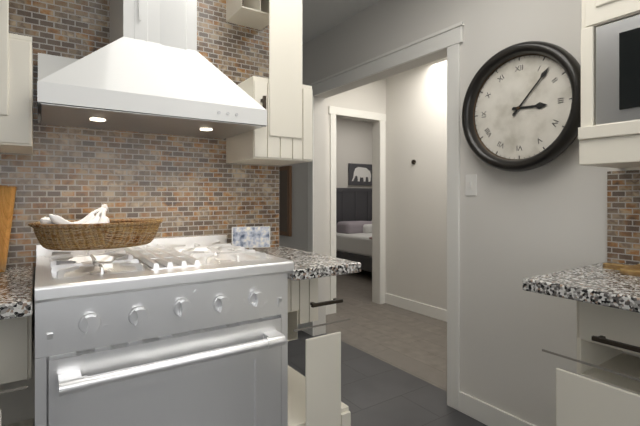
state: 3:07
